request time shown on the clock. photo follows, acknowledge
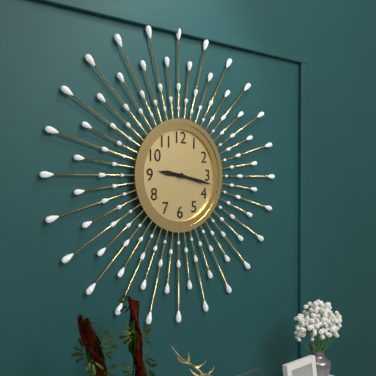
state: 9:17
